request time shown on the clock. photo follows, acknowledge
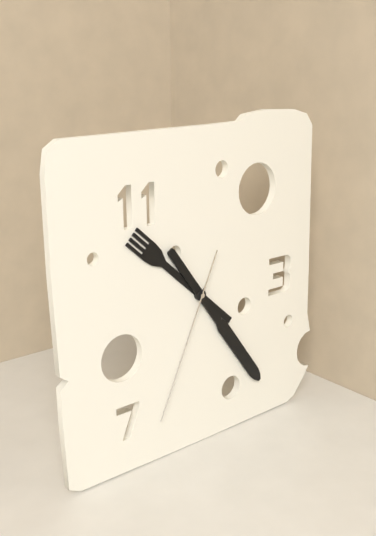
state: 10:24:34
